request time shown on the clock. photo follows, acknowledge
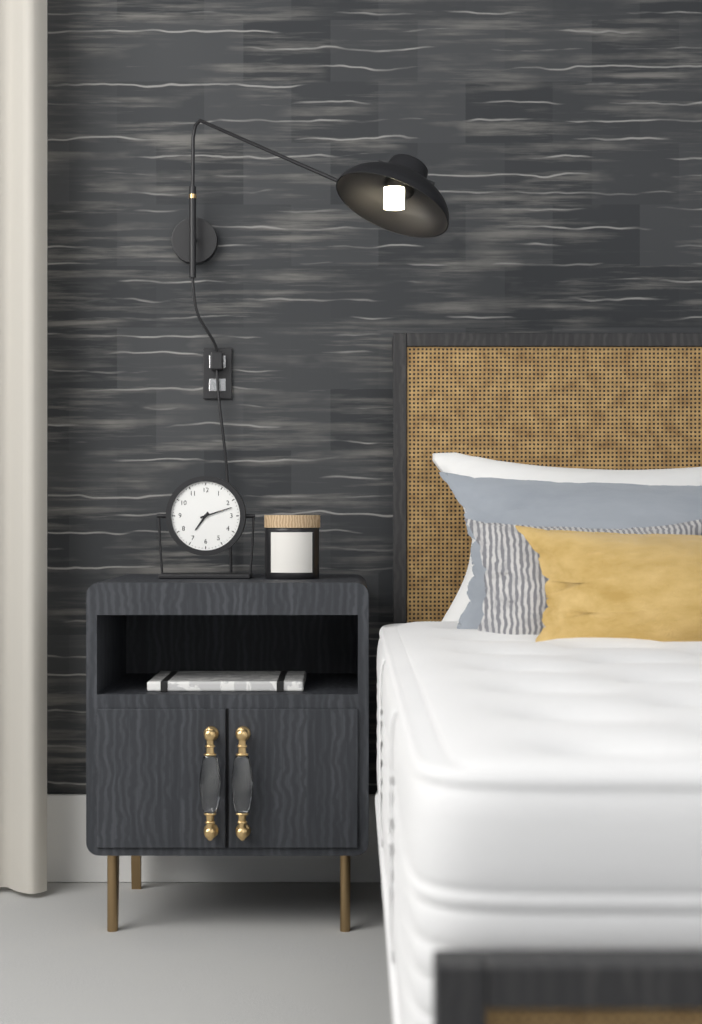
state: 7:12
